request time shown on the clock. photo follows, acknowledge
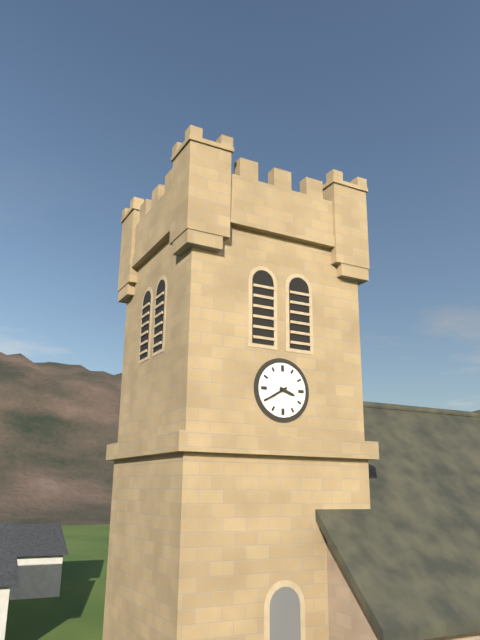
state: 3:40
